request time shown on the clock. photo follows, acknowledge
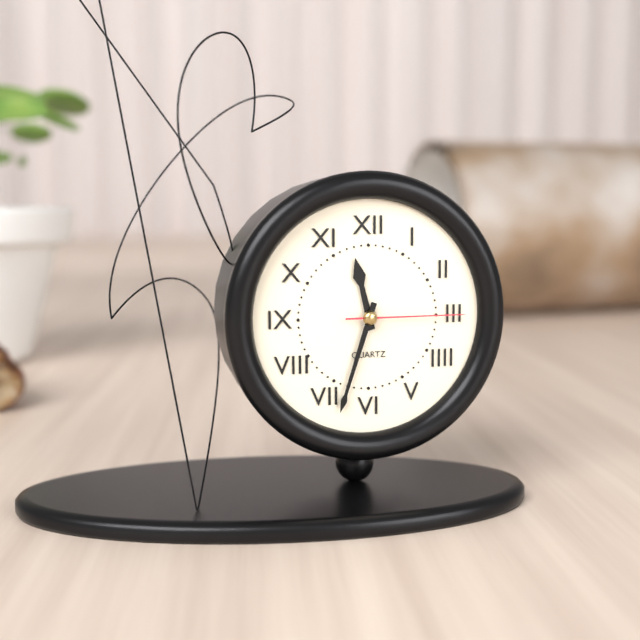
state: 11:33:15
